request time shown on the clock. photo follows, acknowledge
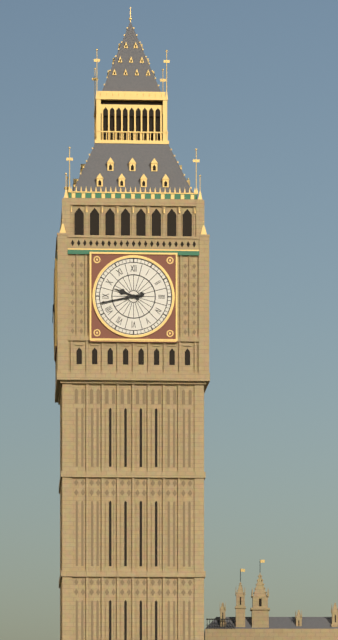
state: 9:43
